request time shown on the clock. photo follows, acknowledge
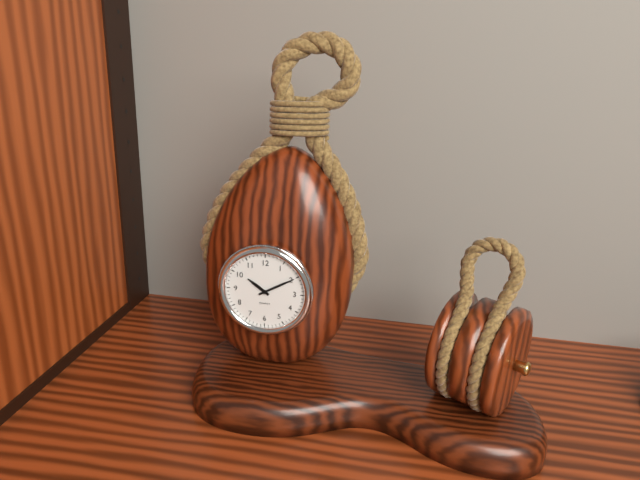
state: 10:10
